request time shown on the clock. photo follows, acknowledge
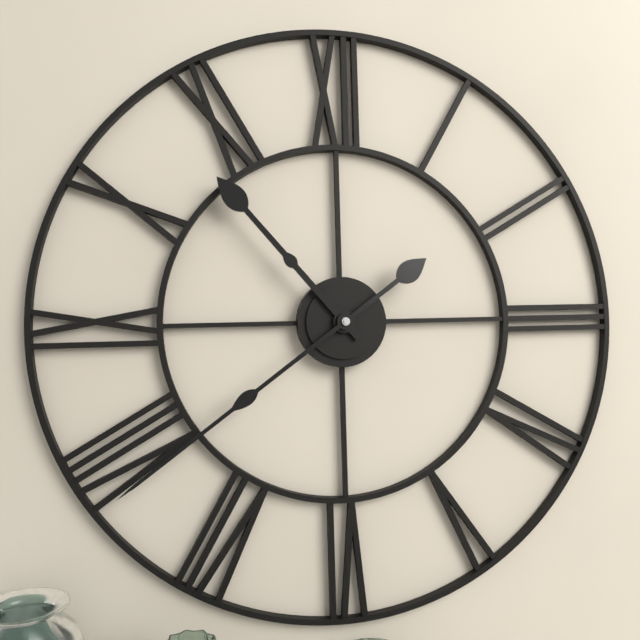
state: 10:39
